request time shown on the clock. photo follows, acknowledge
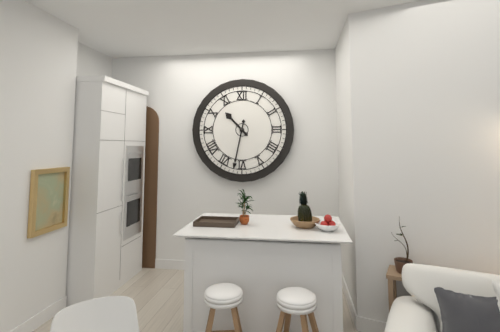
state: 10:32
